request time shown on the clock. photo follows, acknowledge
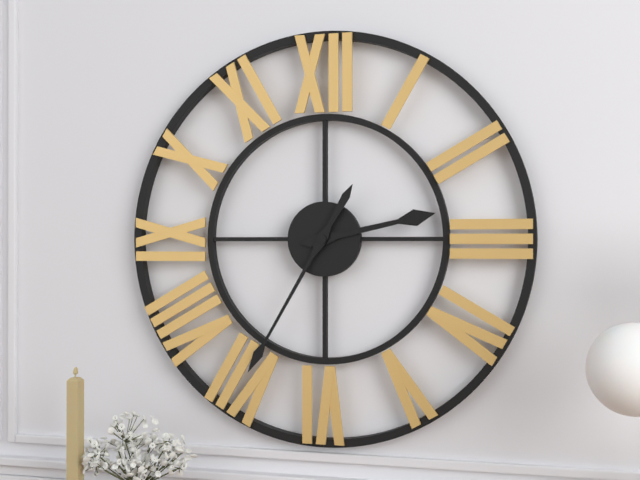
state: 2:35
